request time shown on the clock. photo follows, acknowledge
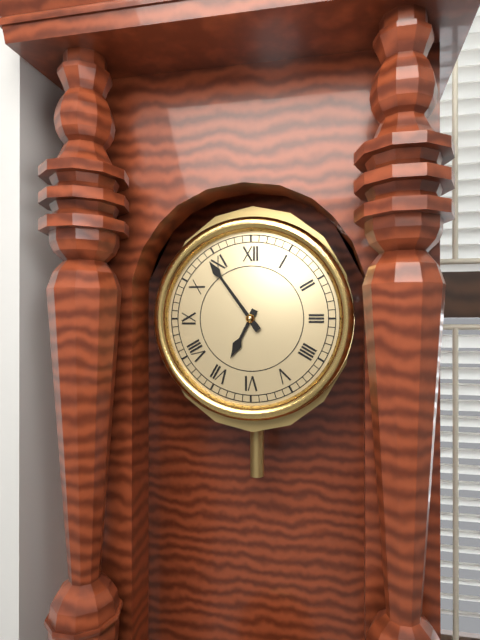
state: 6:54
